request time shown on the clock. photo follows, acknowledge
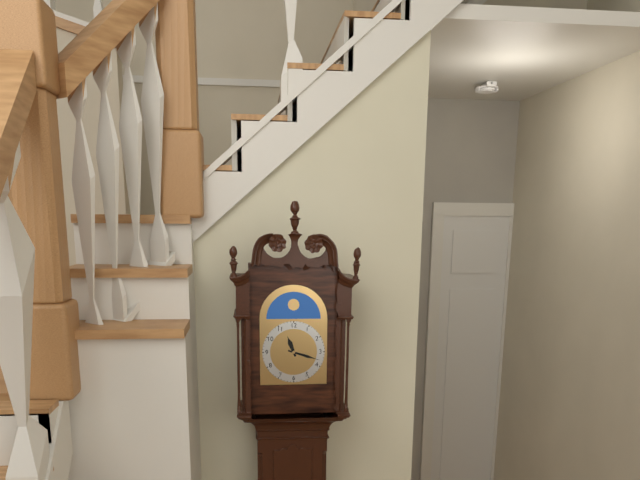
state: 11:18
